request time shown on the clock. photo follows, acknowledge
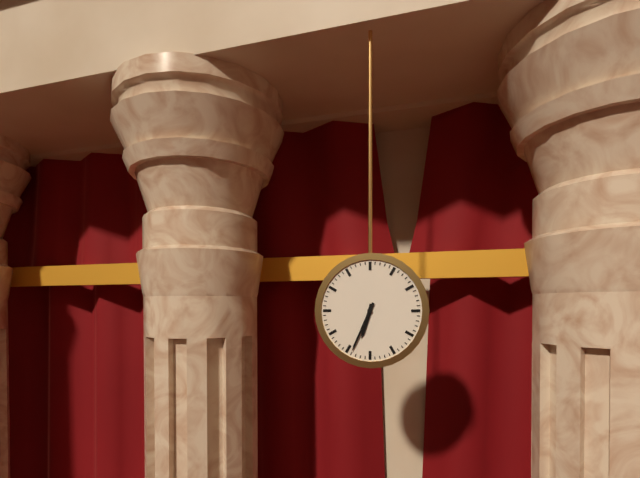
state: 6:34
